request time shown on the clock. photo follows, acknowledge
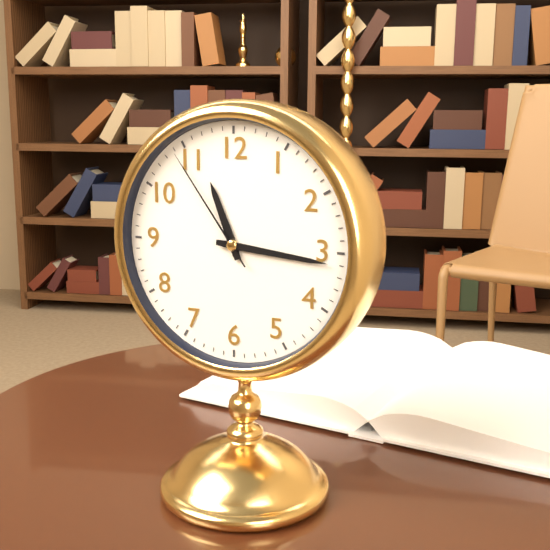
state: 11:16:54
